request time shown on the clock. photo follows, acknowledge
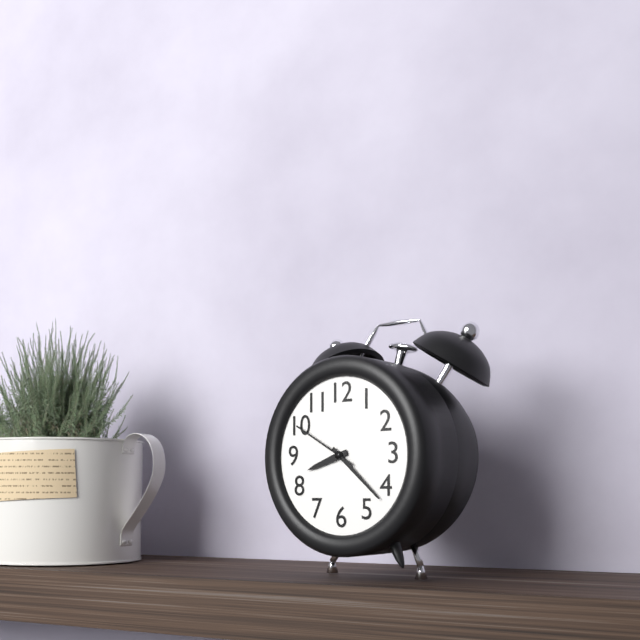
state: 8:22:50
